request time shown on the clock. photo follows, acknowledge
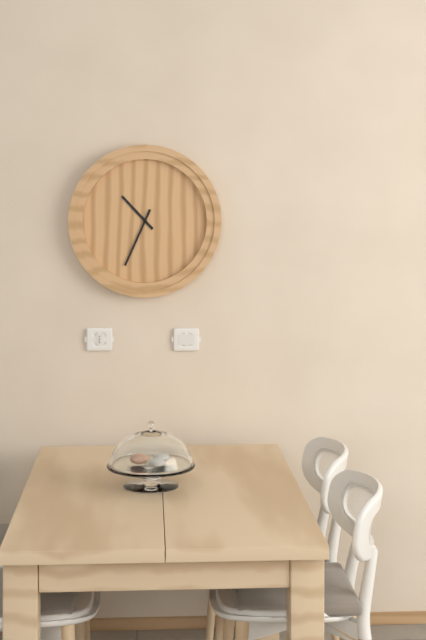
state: 10:34
